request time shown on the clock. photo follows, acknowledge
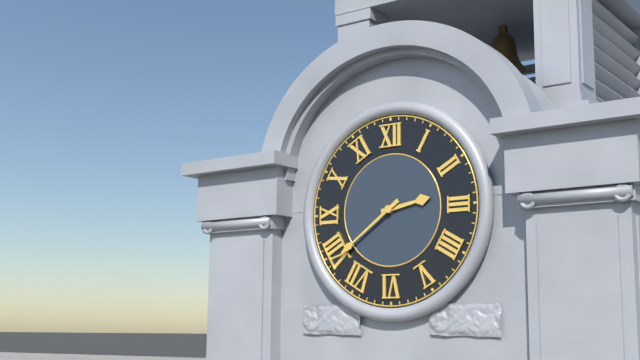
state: 2:39
